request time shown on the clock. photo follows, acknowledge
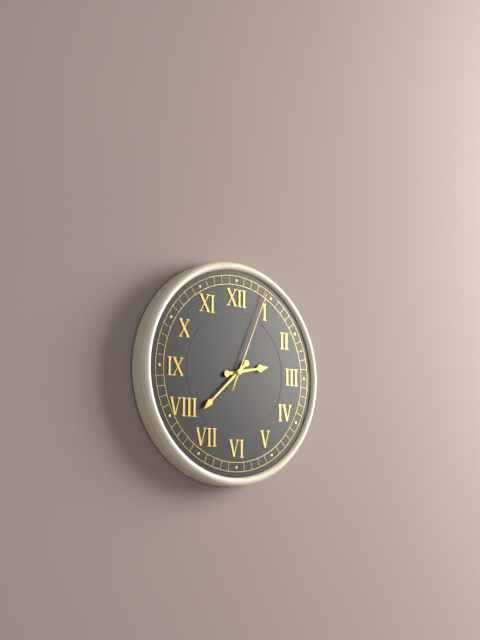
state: 2:38:04
